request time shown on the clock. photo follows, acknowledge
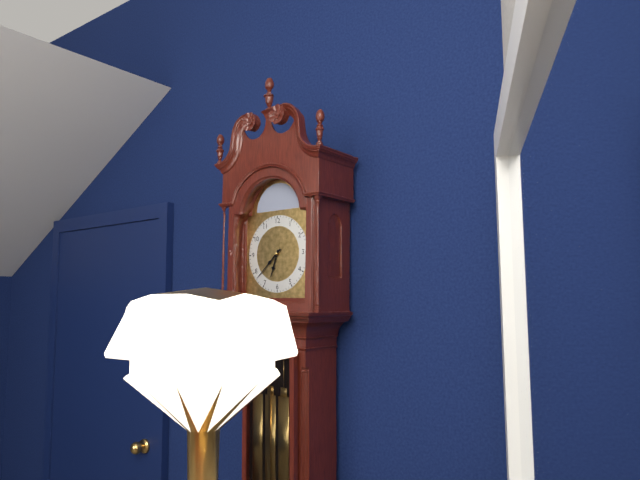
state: 6:38
